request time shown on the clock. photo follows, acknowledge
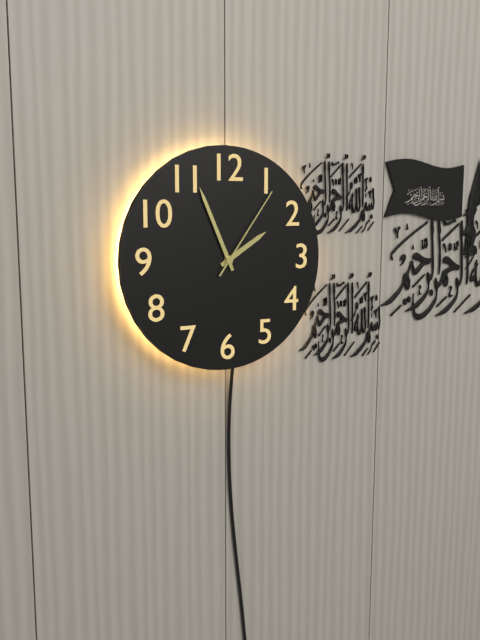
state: 1:56:06
